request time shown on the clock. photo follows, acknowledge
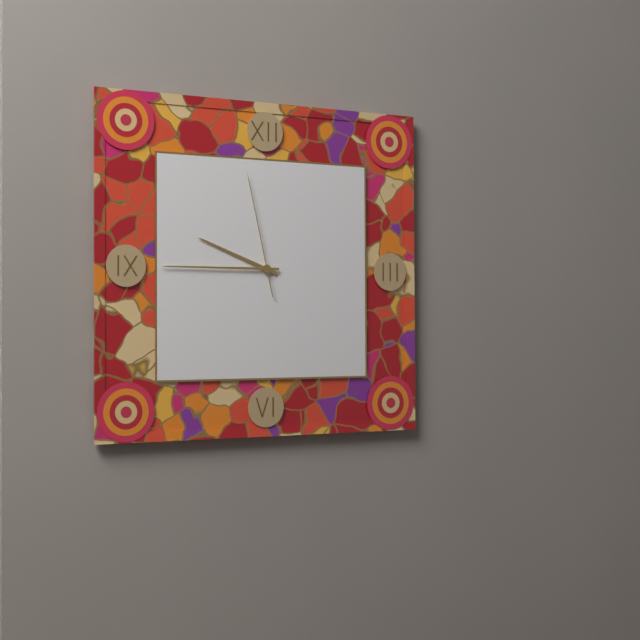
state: 9:45:58
